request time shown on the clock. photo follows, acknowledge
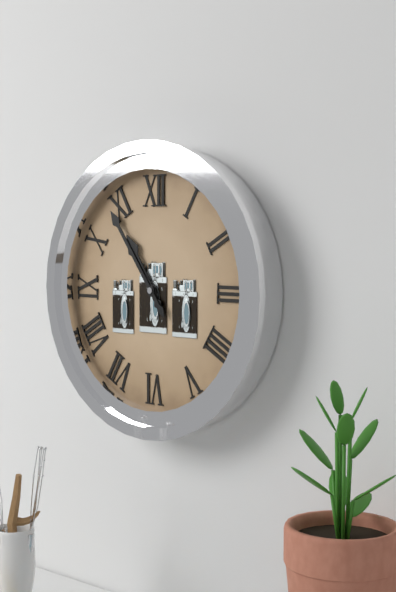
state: 10:54
